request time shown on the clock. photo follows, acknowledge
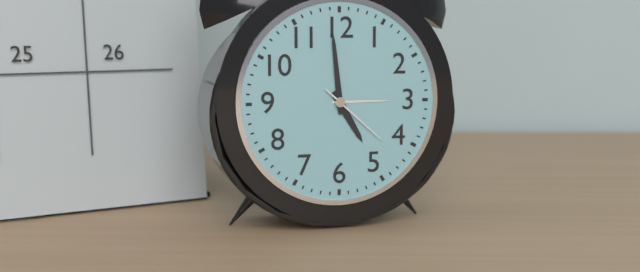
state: 4:59:22
